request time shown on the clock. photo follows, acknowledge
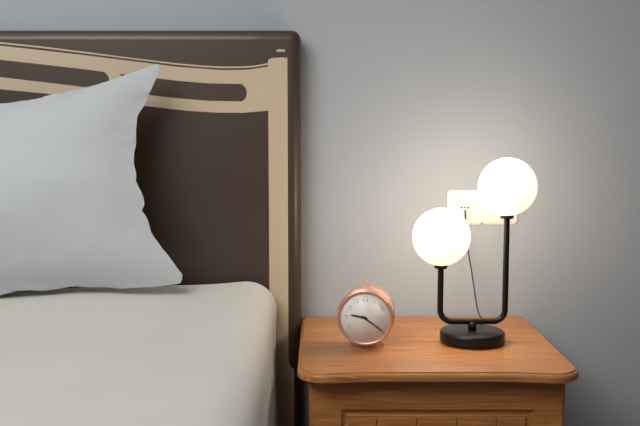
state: 9:21
